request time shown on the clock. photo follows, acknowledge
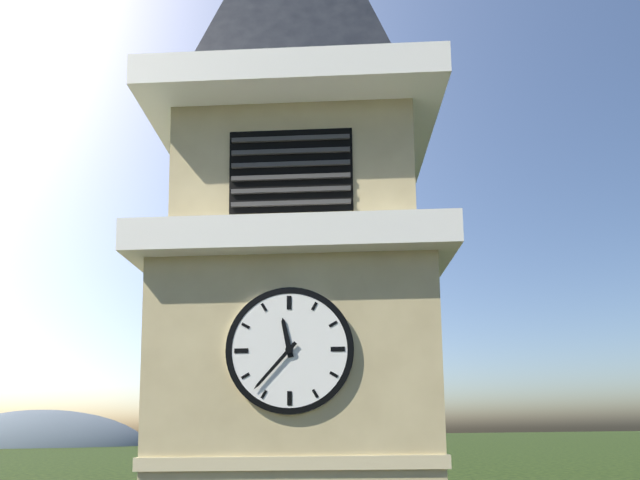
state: 11:37
